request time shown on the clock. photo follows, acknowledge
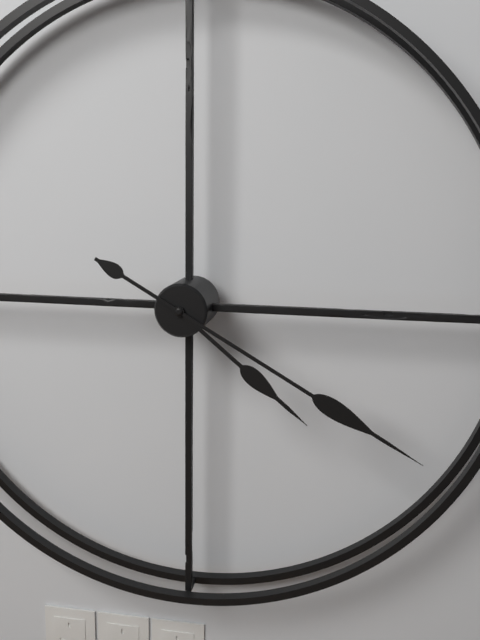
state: 4:20
